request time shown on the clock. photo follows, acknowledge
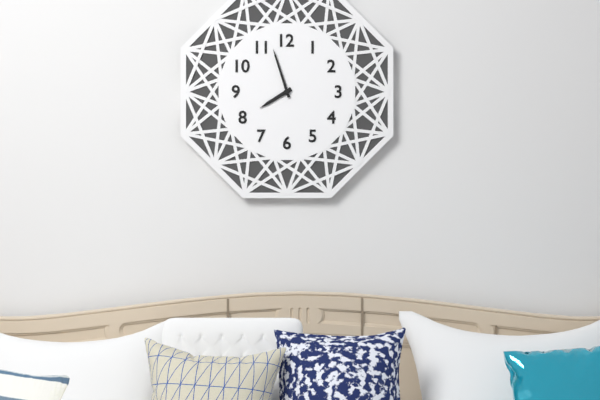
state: 7:57
